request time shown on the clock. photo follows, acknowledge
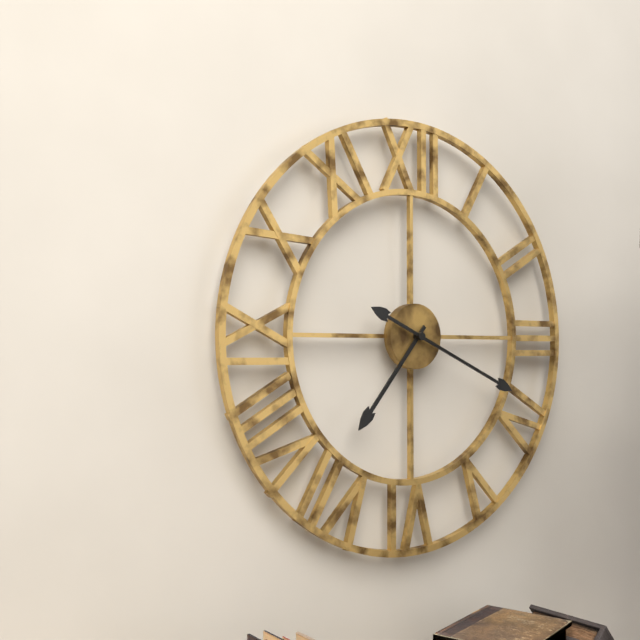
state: 7:19
